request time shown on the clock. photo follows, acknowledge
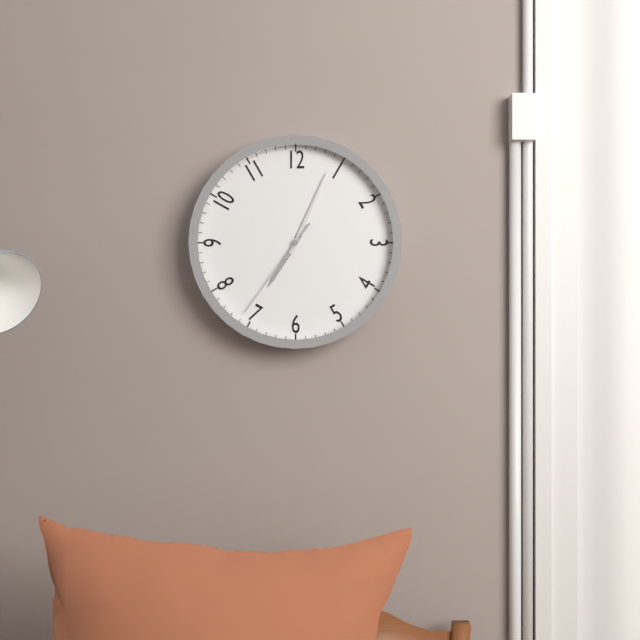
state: 7:04:36
